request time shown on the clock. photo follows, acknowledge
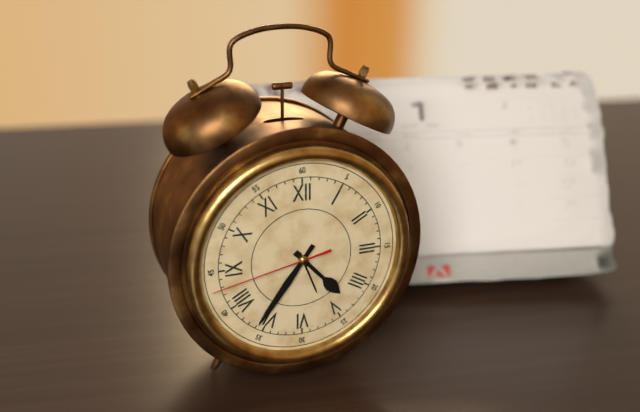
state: 4:36:43
